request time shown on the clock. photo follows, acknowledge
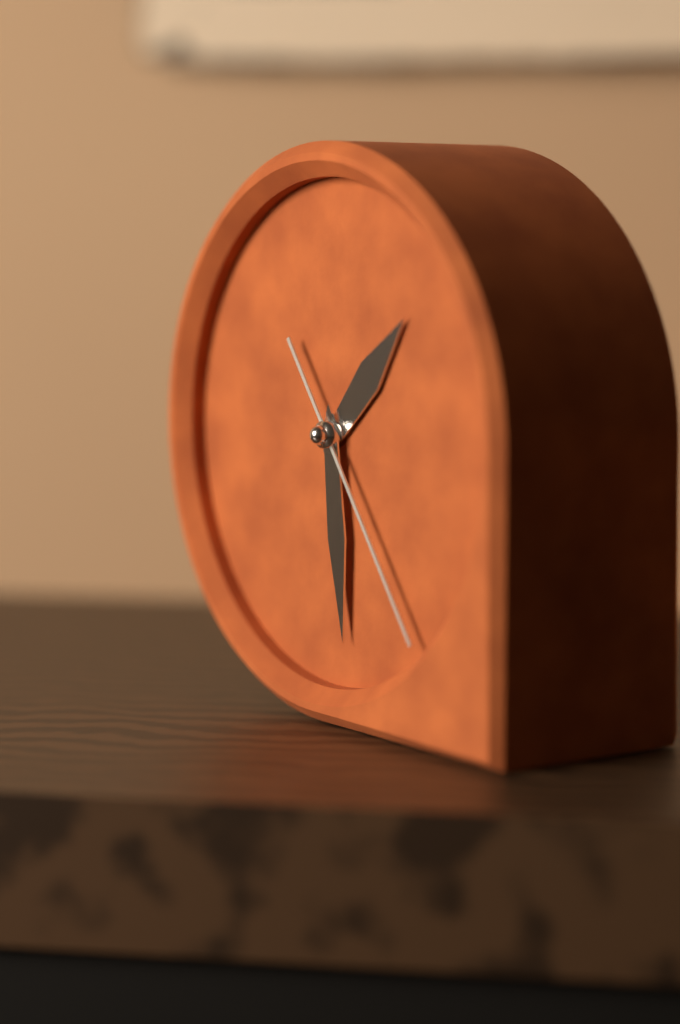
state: 1:29:24
